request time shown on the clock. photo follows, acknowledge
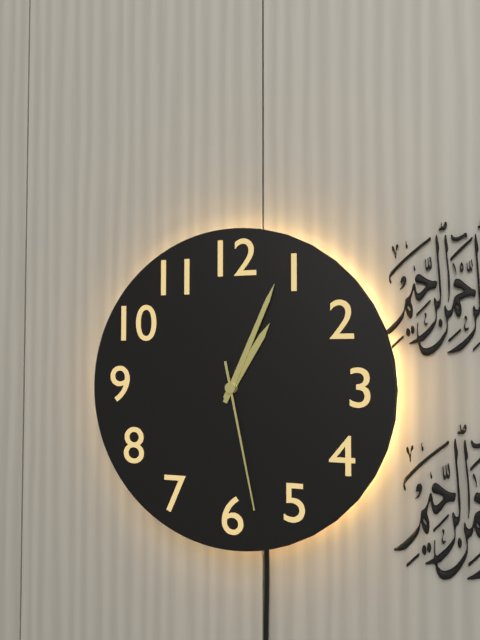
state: 1:04:28
